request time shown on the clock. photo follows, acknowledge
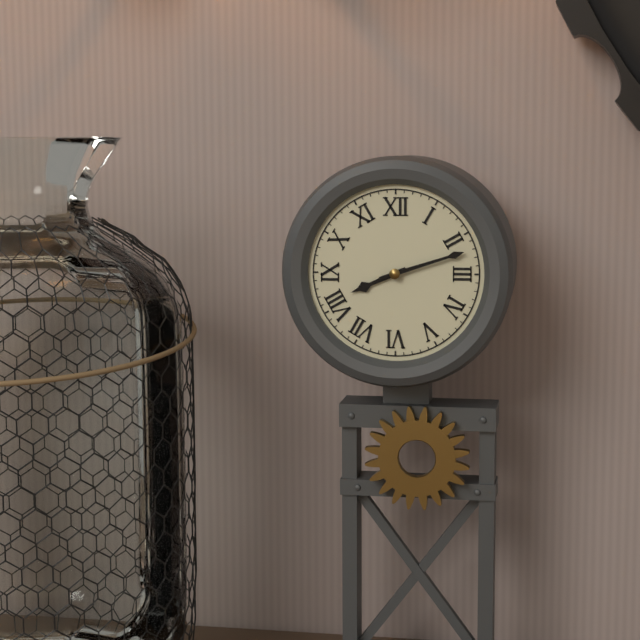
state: 8:12
